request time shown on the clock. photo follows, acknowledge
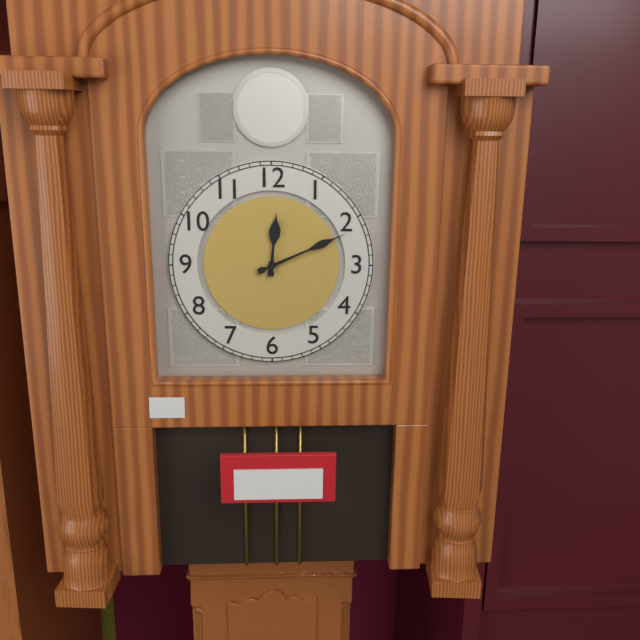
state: 12:11
